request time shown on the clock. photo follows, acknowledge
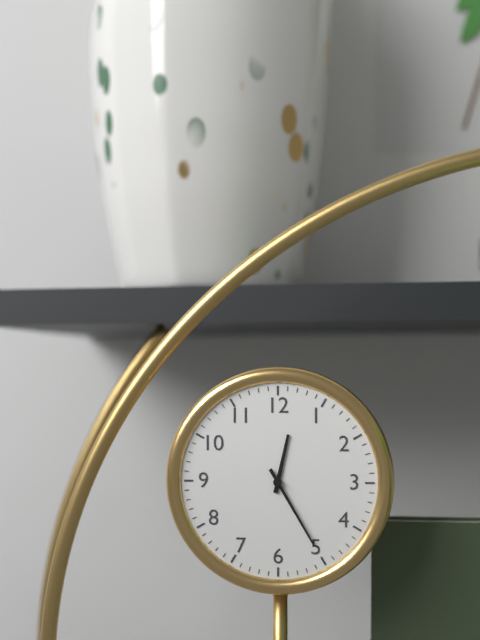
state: 12:25
